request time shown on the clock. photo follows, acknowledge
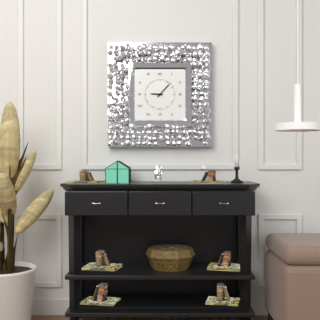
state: 9:07
